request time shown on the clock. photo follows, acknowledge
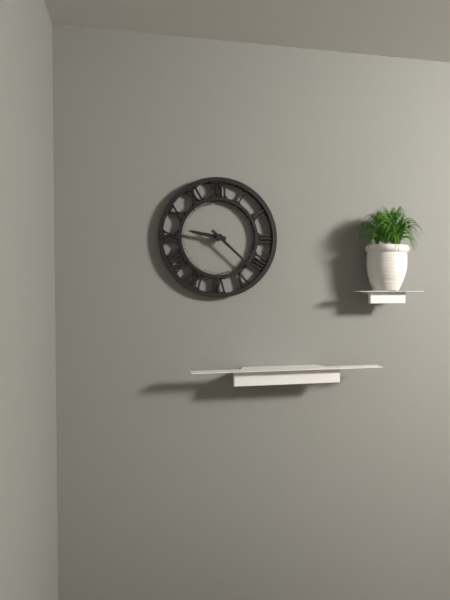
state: 9:22
